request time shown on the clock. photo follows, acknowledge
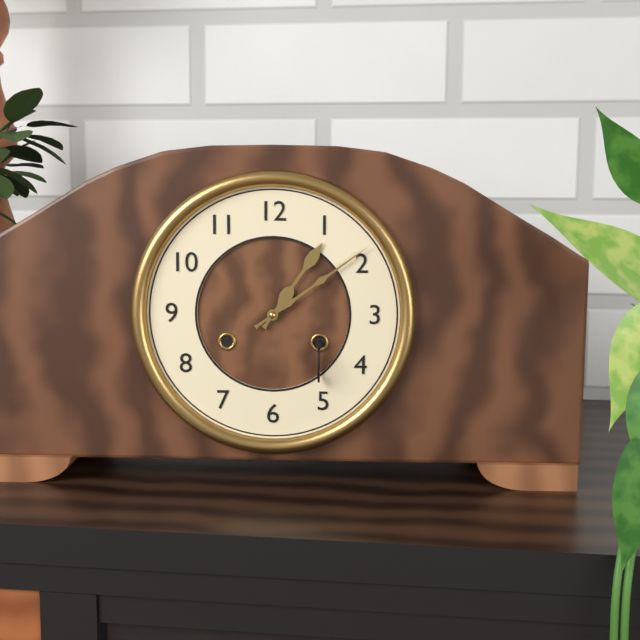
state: 1:09
